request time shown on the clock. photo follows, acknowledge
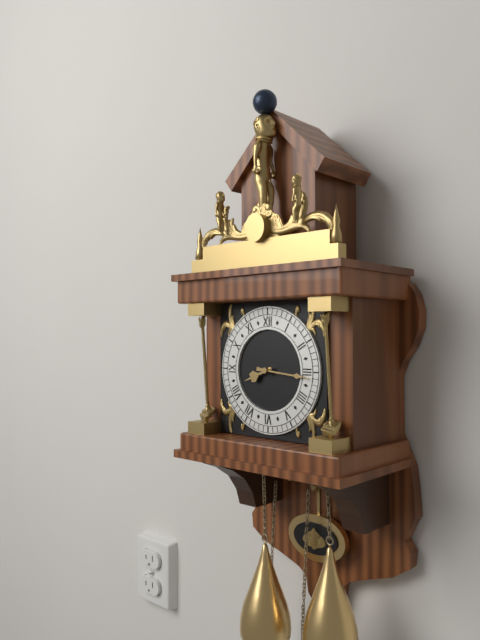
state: 8:16
